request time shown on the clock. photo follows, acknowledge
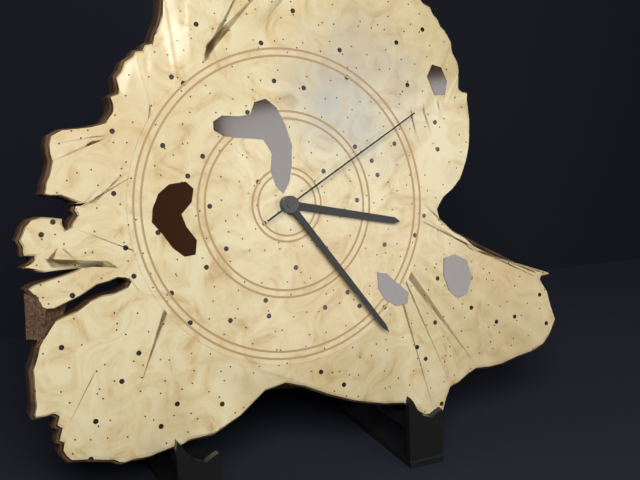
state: 3:24:10
